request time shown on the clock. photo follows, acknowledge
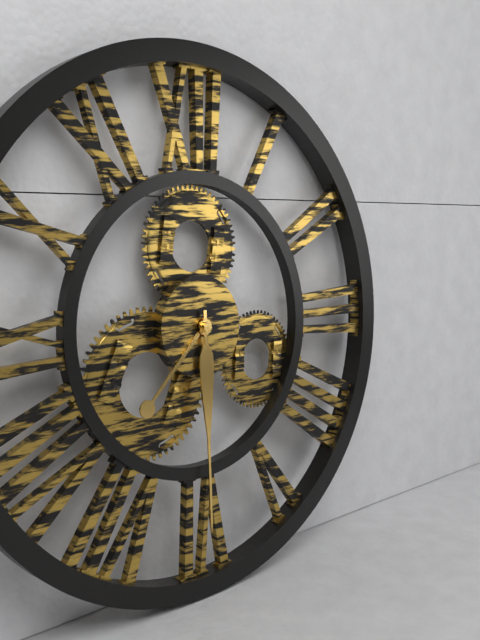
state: 7:30
